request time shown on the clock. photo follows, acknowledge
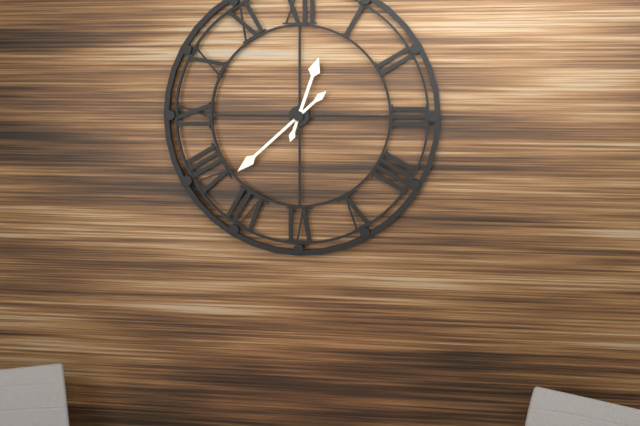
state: 12:38
